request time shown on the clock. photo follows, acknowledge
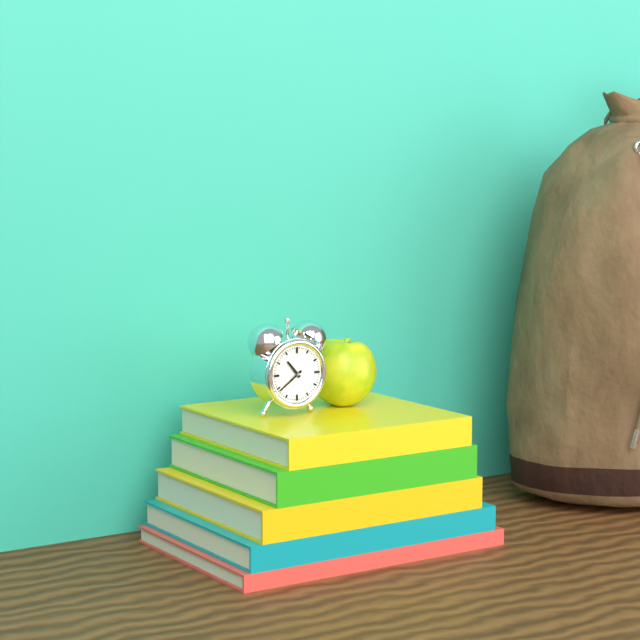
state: 10:39
